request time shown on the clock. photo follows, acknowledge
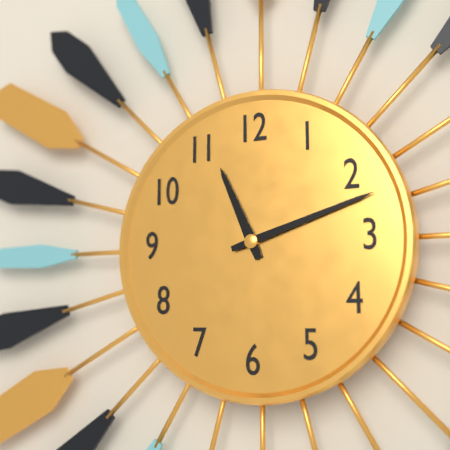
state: 11:12
